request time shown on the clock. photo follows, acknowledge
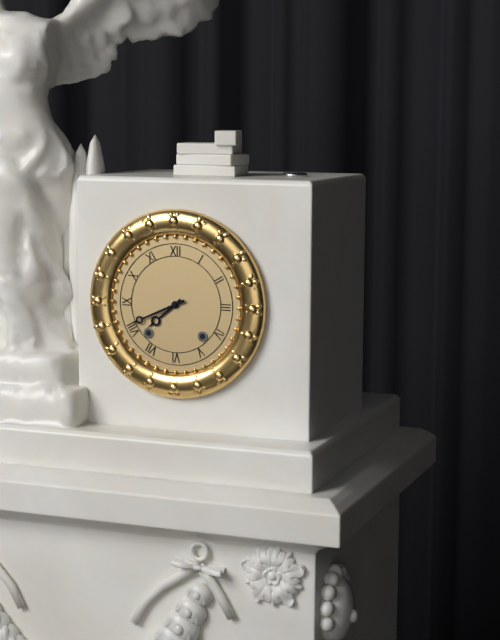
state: 7:41
